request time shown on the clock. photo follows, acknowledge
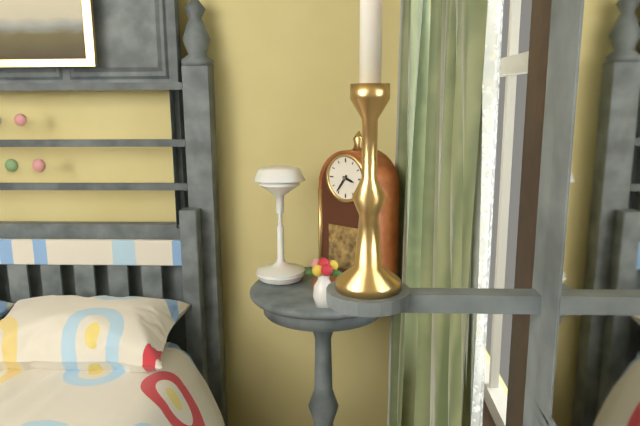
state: 3:36
